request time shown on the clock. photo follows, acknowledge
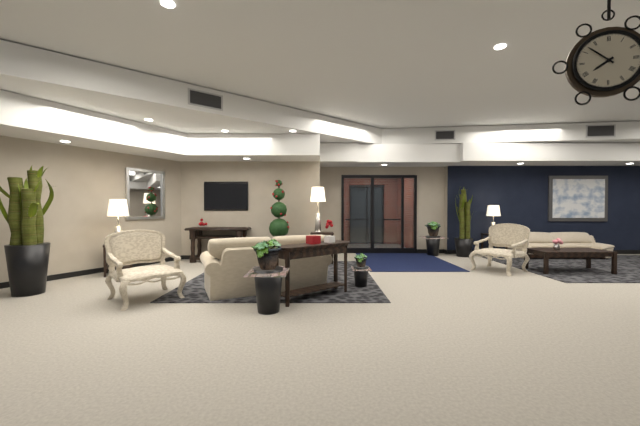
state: 7:52
